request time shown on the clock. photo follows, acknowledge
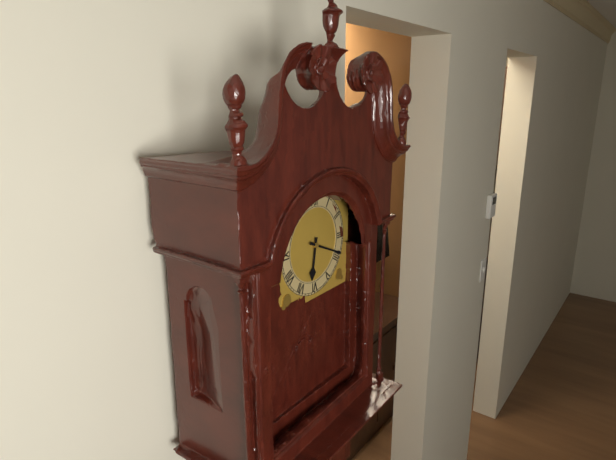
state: 6:19
